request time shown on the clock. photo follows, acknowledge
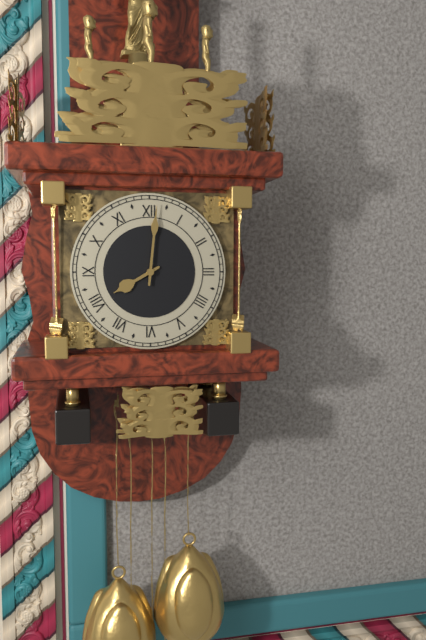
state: 8:01
